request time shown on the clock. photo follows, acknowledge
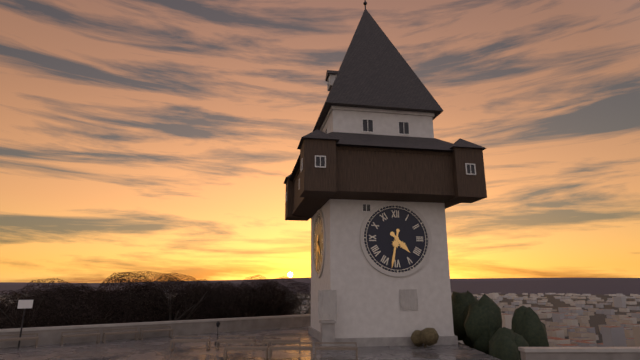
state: 4:32
